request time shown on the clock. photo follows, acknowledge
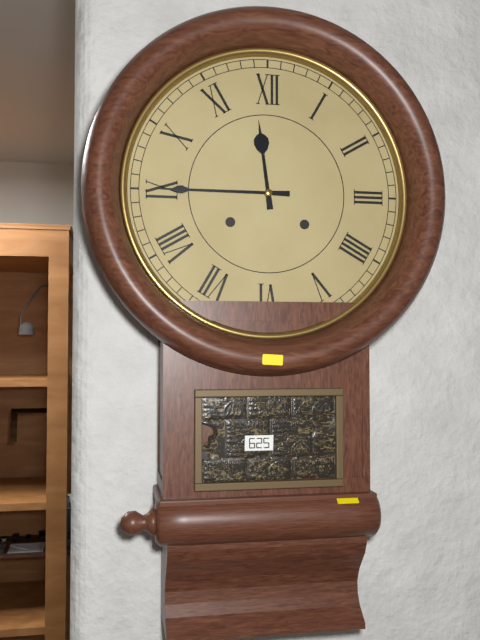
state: 11:45
